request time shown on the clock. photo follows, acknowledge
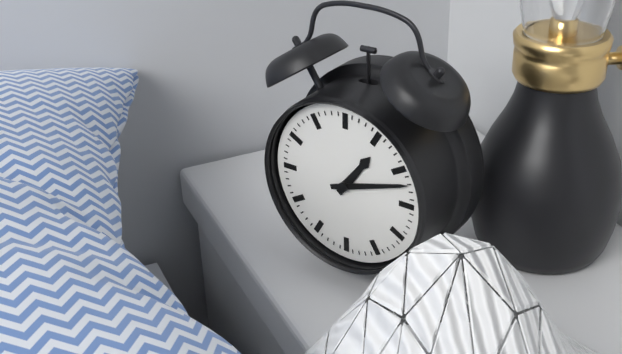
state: 1:12
